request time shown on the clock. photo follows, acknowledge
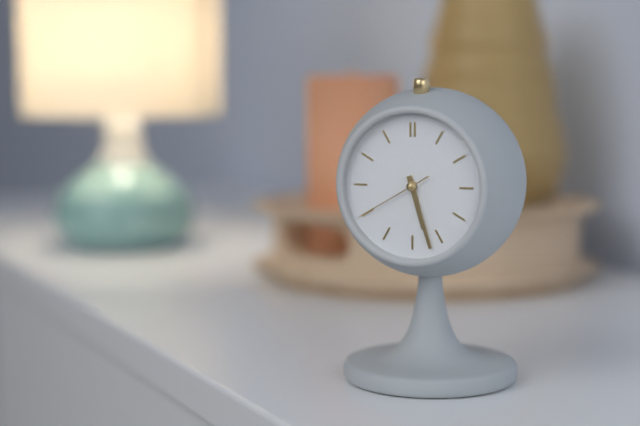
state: 5:27:40
